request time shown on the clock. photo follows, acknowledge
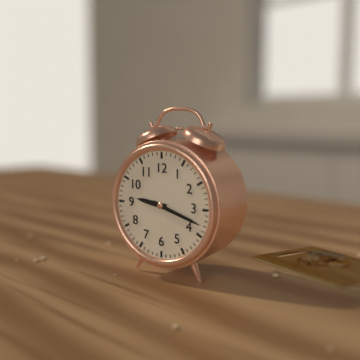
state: 9:18
